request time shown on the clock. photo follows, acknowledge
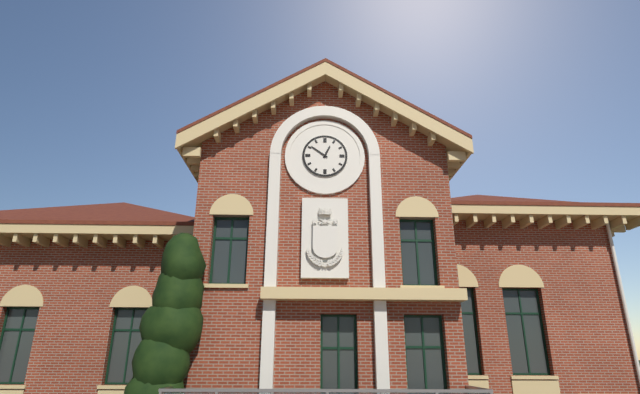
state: 12:51
